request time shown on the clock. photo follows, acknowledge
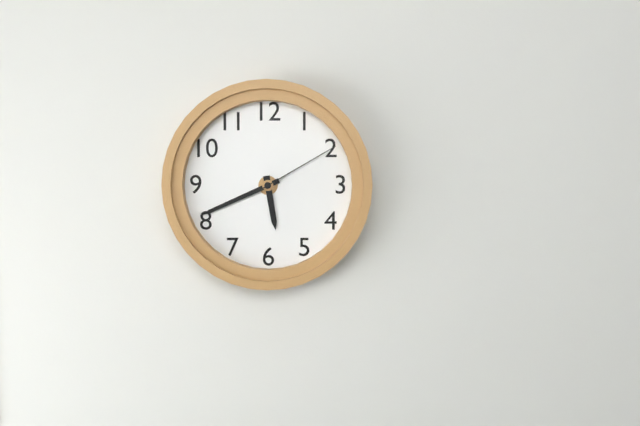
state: 5:41:10
